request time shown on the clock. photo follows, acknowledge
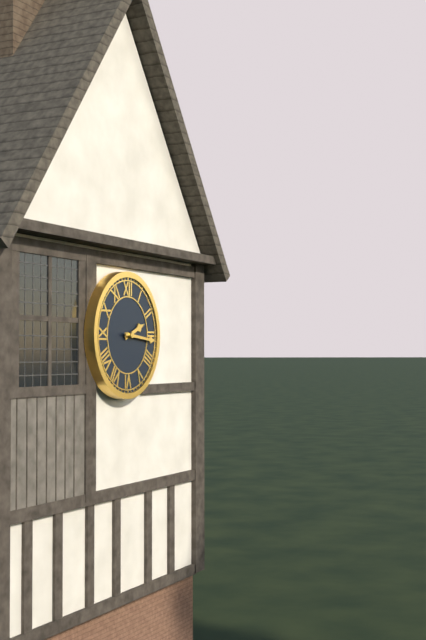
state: 2:16
